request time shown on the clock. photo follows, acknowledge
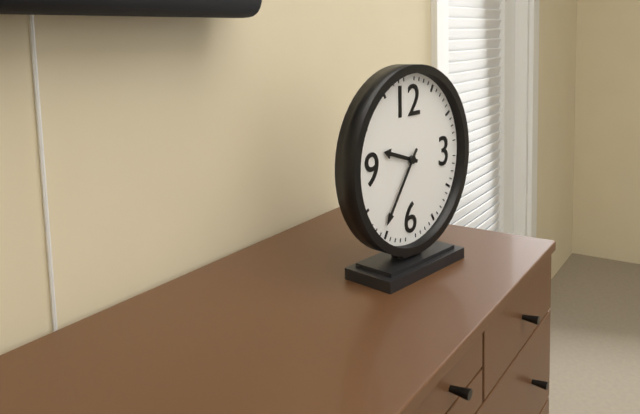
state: 9:36
